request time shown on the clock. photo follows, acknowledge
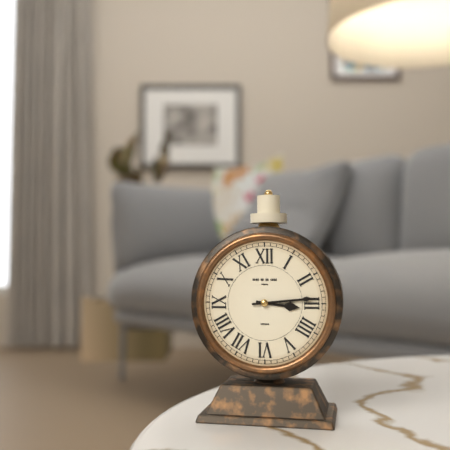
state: 3:14
